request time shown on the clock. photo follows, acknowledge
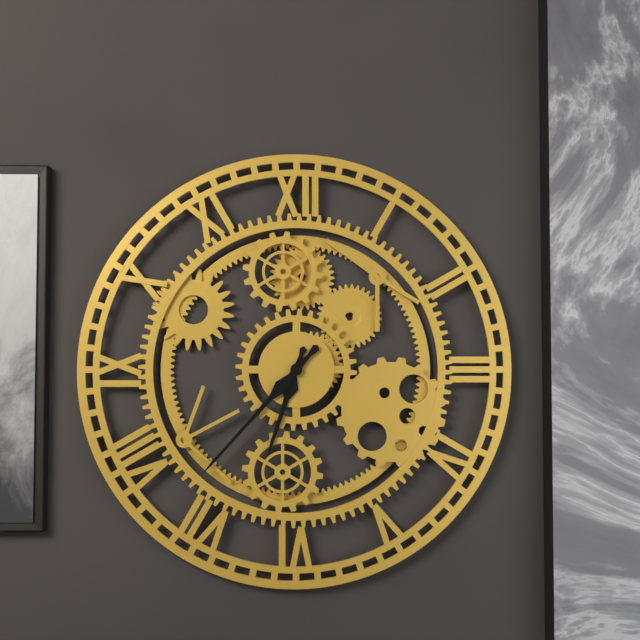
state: 6:37
